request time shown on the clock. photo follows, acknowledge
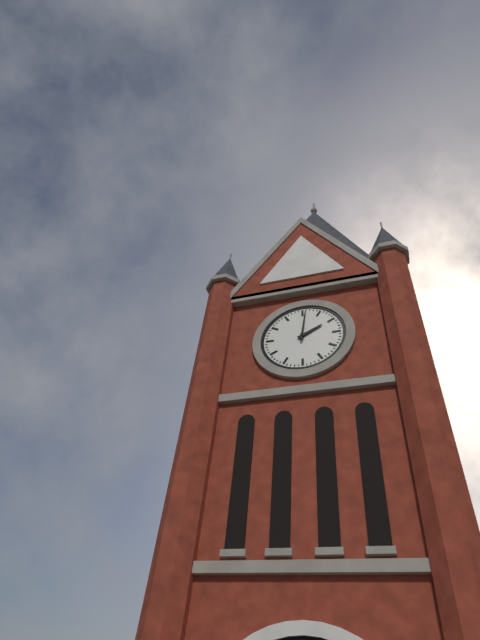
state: 2:01
